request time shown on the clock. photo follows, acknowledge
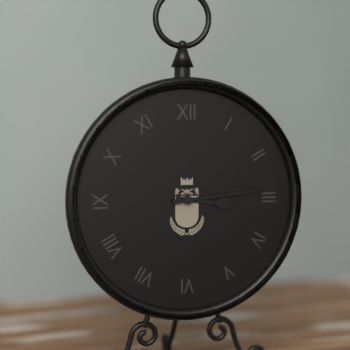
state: 3:14
